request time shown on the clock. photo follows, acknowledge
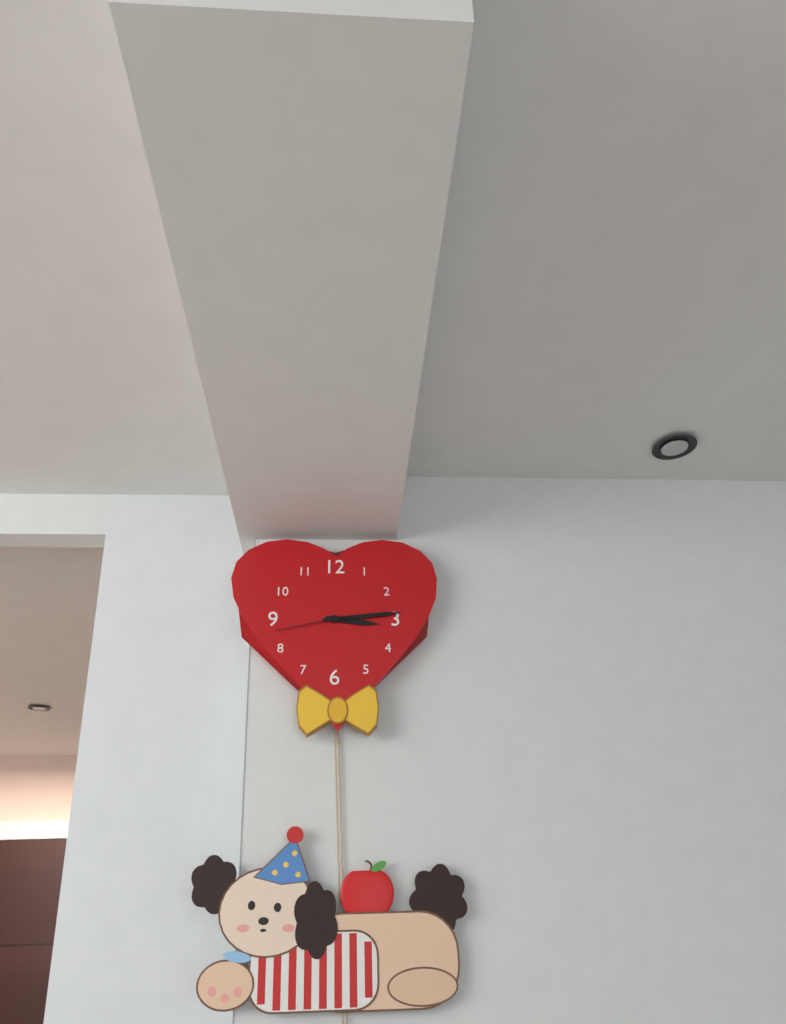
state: 3:14:43
